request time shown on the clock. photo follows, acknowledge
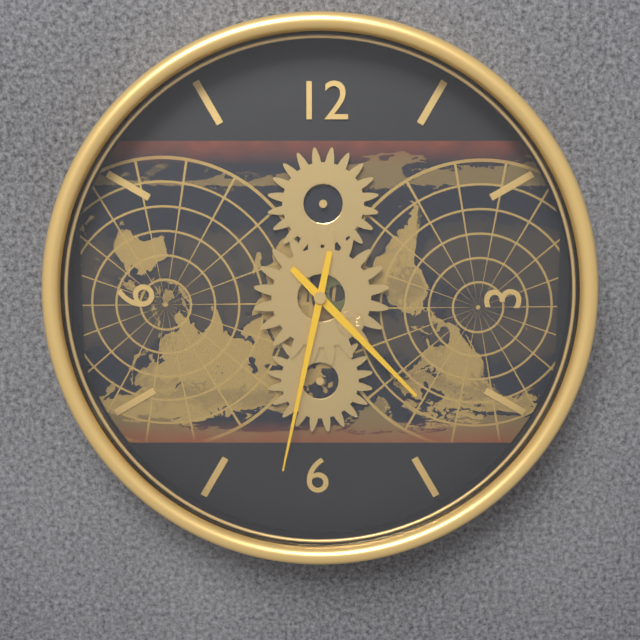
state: 4:32
